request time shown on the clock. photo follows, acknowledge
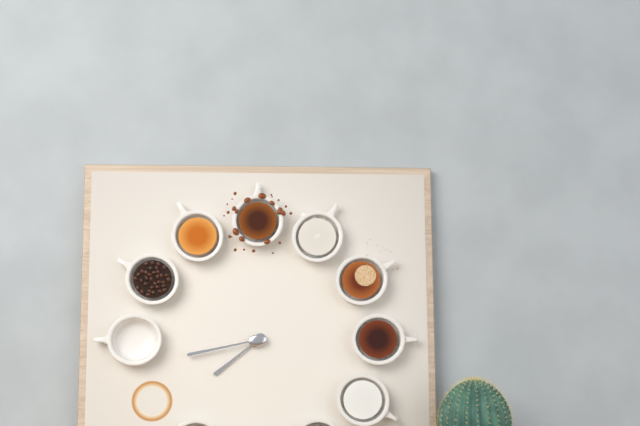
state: 7:43
